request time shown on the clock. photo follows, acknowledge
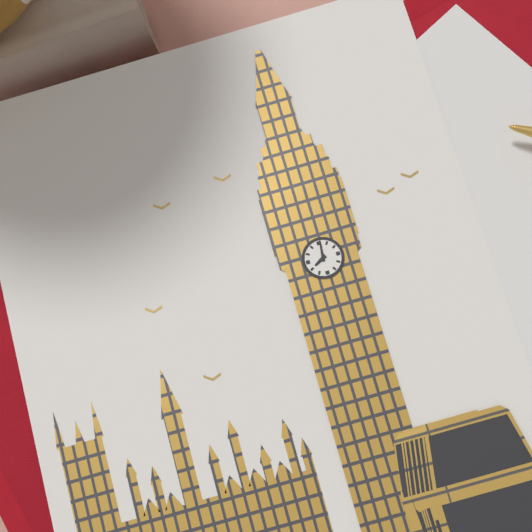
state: 8:01
